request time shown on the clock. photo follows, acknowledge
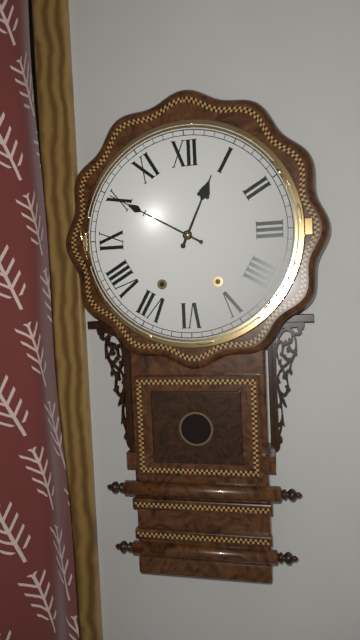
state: 12:50
